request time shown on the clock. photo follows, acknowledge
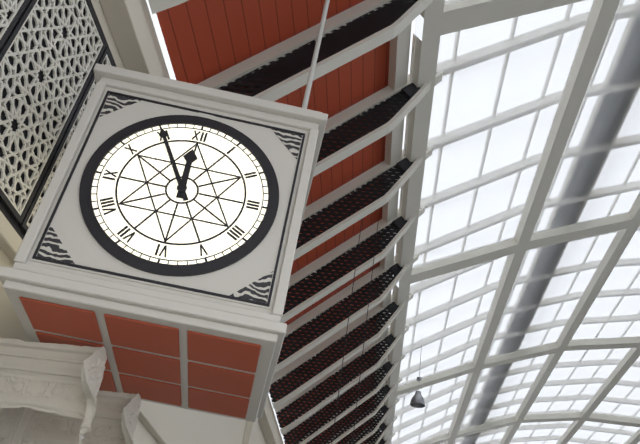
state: 11:55
